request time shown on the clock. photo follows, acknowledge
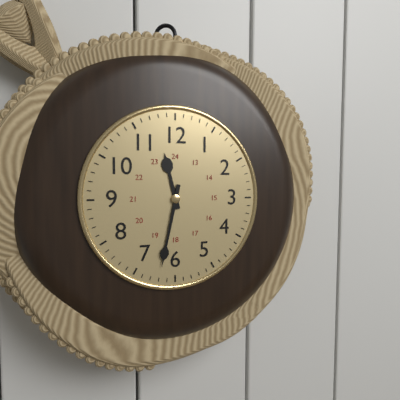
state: 11:32
